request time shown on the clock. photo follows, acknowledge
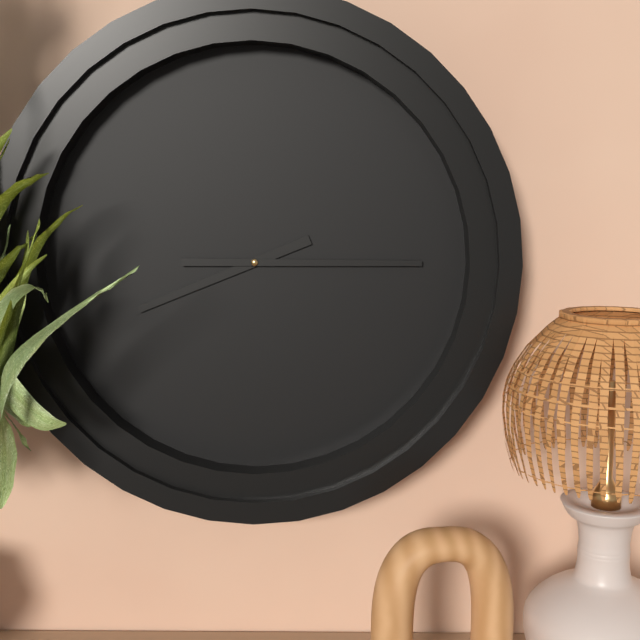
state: 8:15
